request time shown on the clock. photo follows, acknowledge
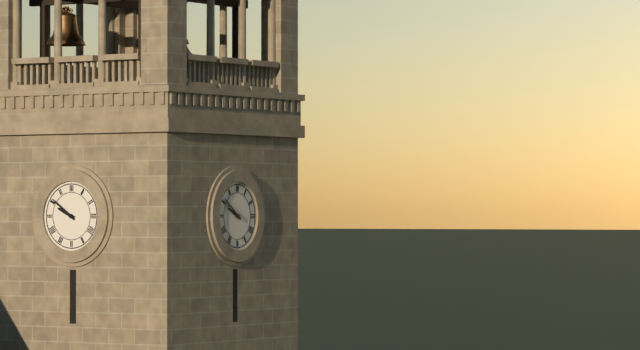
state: 9:51
